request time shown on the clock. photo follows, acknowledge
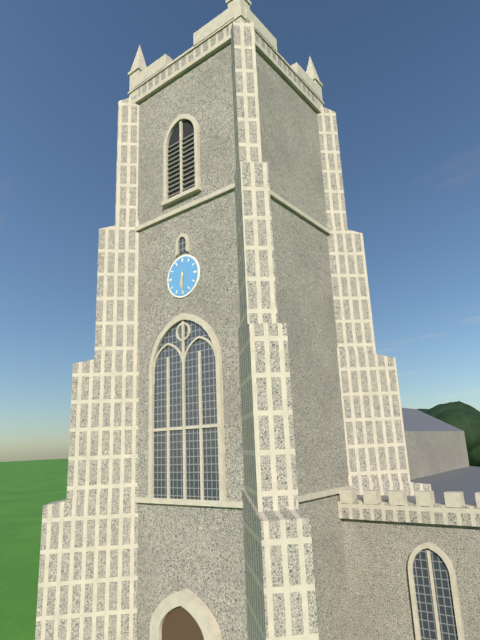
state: 6:30
